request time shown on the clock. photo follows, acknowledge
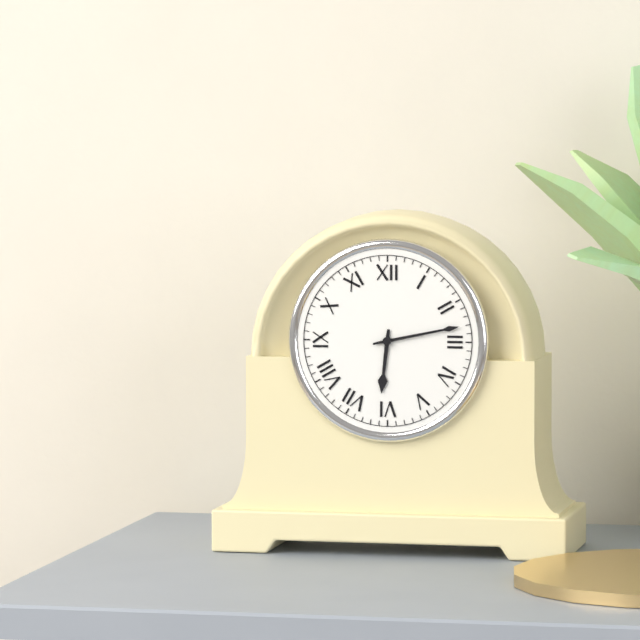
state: 6:13
